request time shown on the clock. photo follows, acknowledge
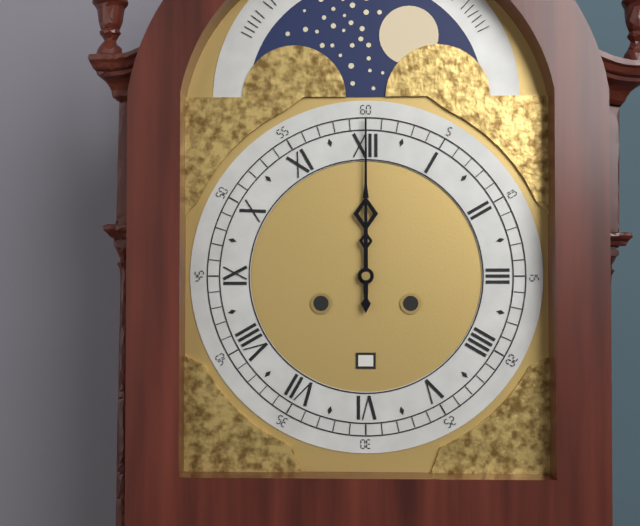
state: 12:00
